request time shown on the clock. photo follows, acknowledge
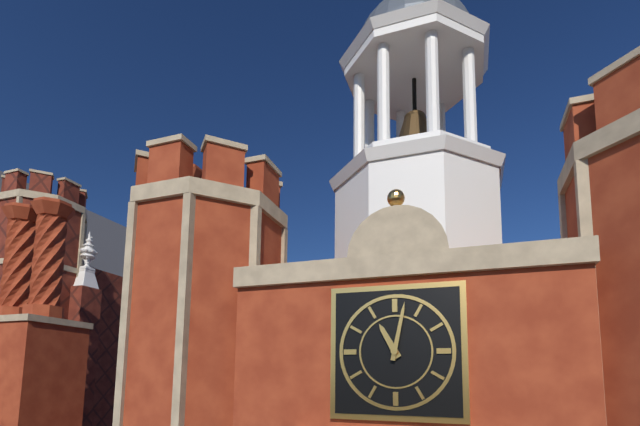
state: 11:02
